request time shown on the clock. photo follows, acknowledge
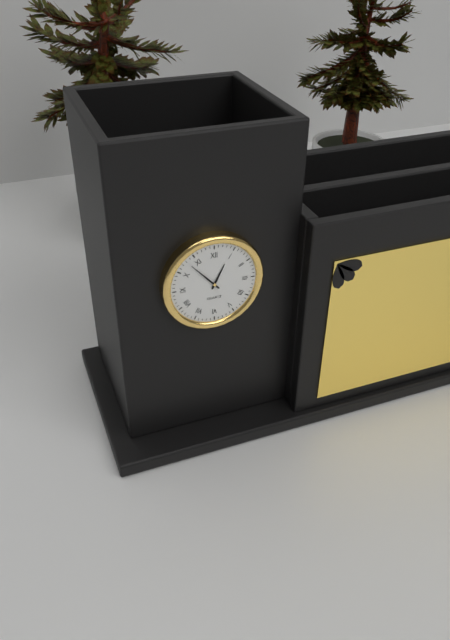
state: 12:53
